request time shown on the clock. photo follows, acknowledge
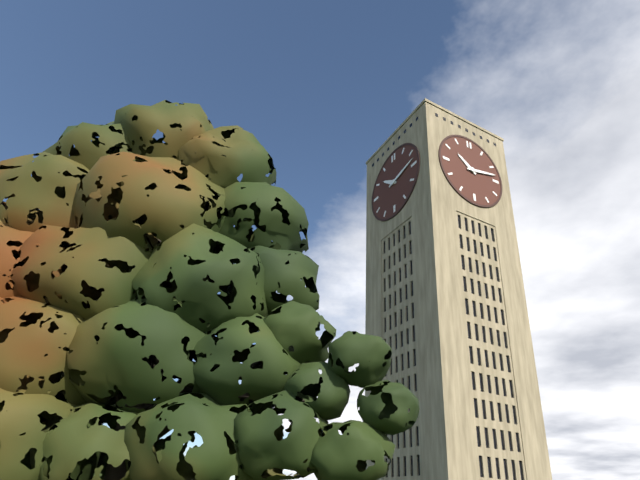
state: 10:13
